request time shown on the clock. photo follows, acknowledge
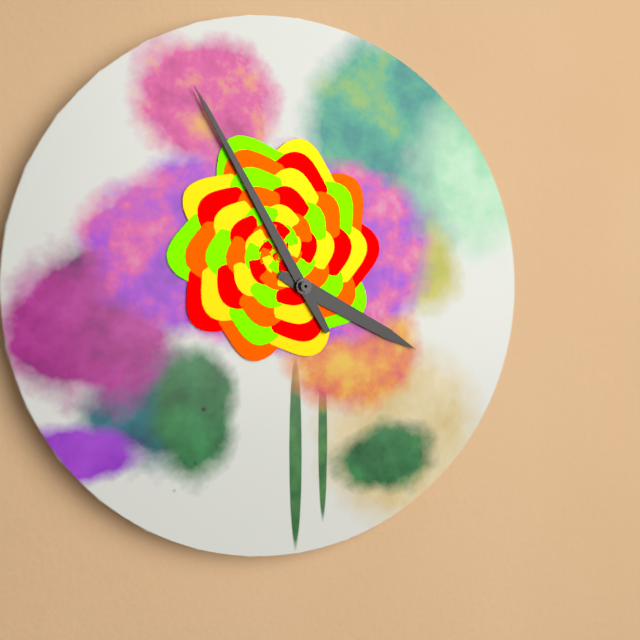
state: 3:55
